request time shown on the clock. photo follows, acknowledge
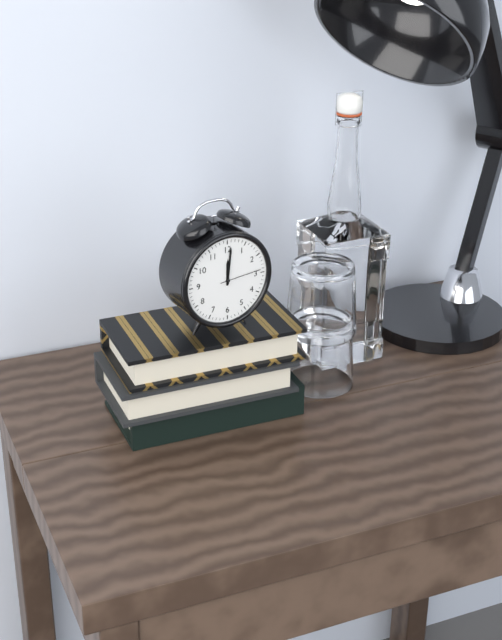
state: 12:01
